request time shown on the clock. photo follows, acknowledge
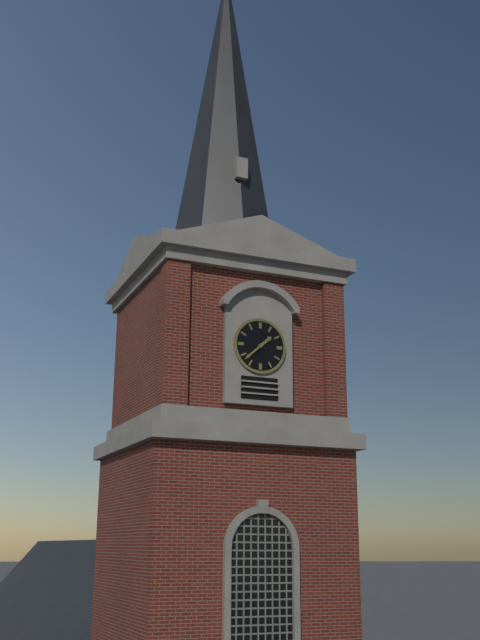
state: 1:38
